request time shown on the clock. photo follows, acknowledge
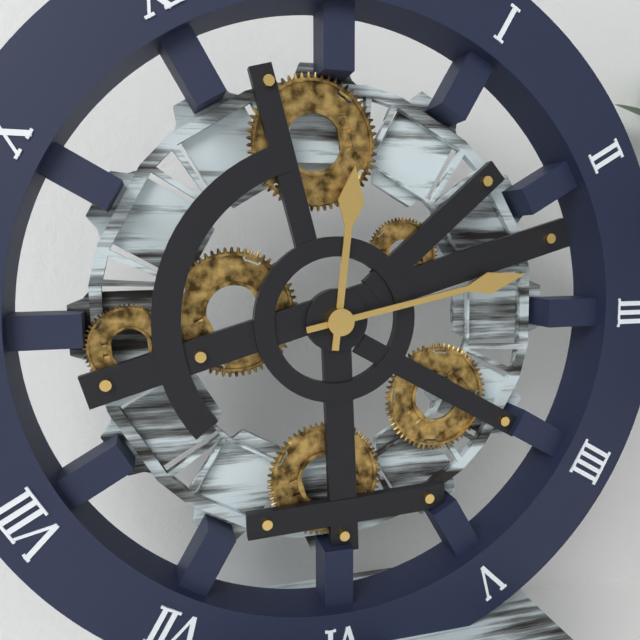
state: 12:13
